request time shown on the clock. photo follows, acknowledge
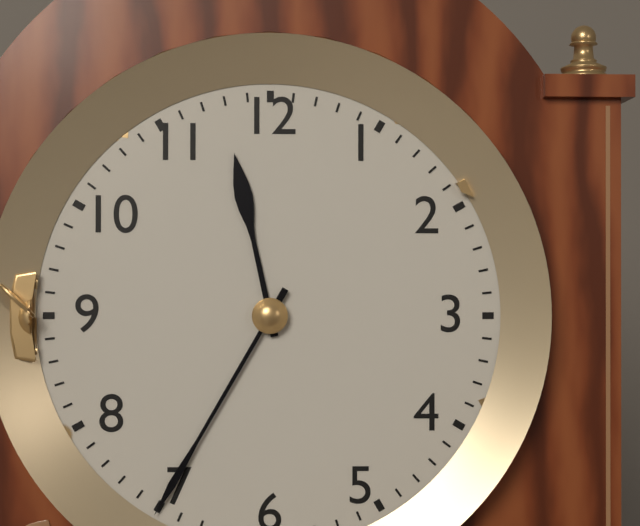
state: 11:35
